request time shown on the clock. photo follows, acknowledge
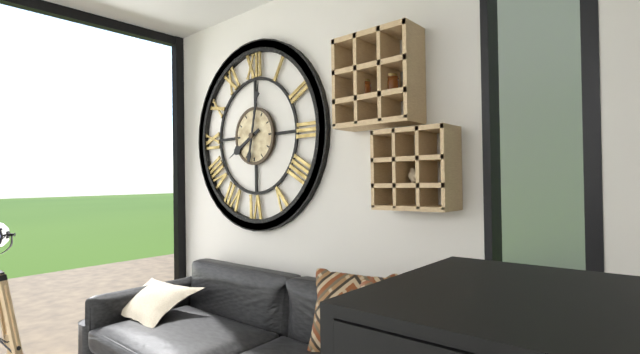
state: 8:02
